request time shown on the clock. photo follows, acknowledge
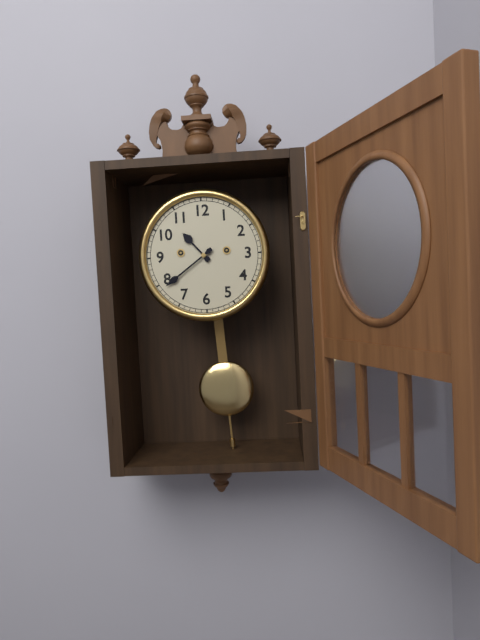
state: 10:39
